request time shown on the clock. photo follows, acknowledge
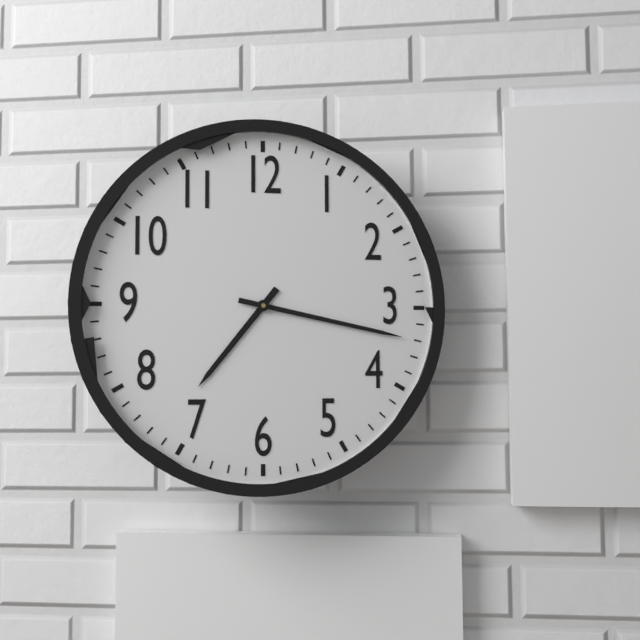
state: 7:17
